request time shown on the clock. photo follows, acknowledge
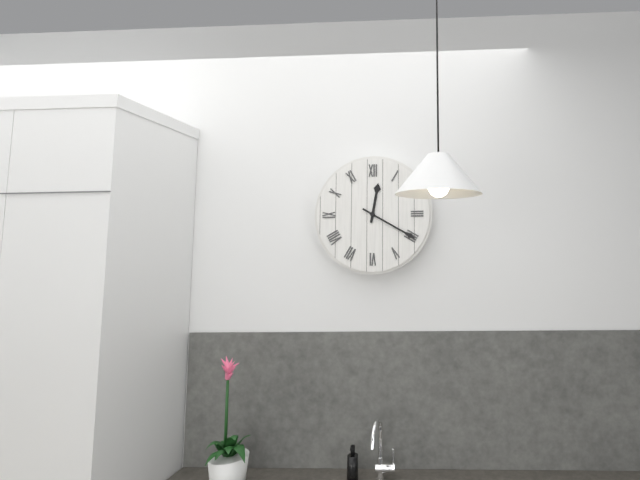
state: 12:20
